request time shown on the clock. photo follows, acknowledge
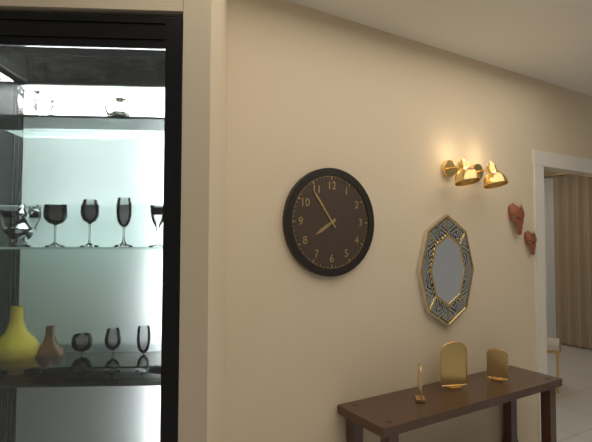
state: 7:54
